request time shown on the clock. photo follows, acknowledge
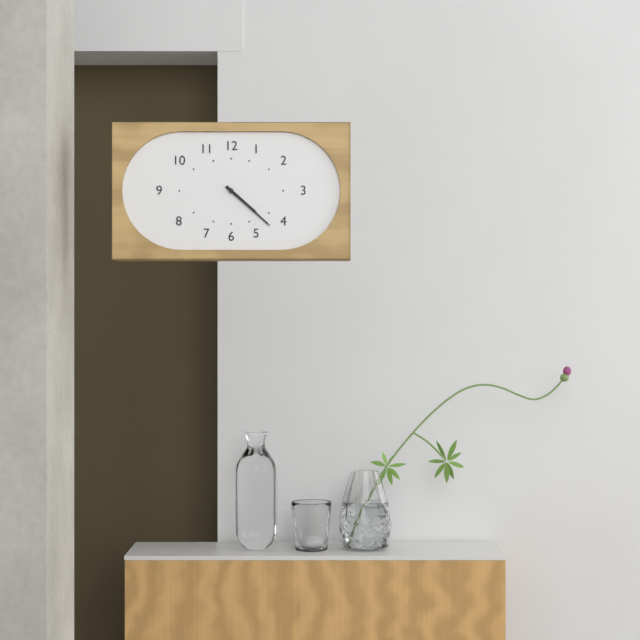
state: 4:22
